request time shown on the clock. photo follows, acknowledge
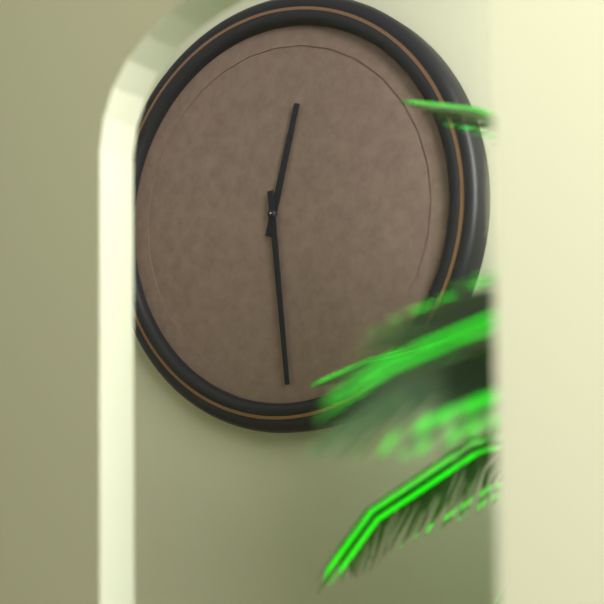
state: 12:29
